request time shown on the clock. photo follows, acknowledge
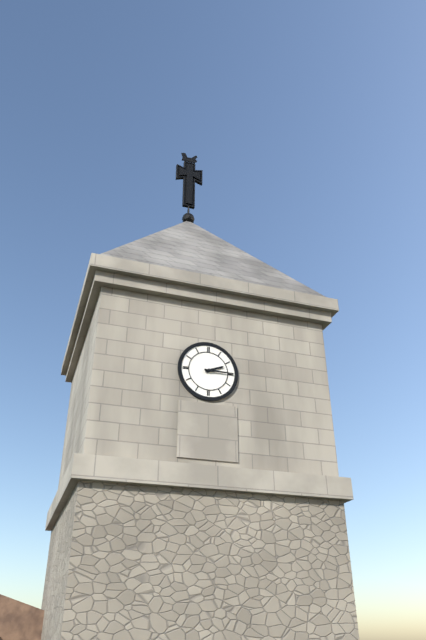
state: 2:15
